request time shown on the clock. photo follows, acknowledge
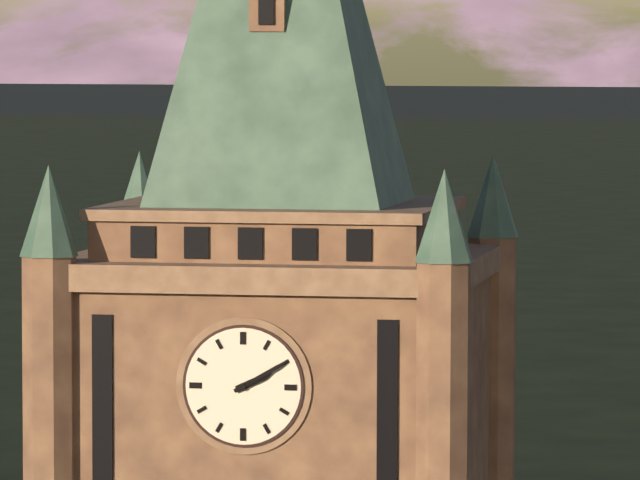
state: 2:10
